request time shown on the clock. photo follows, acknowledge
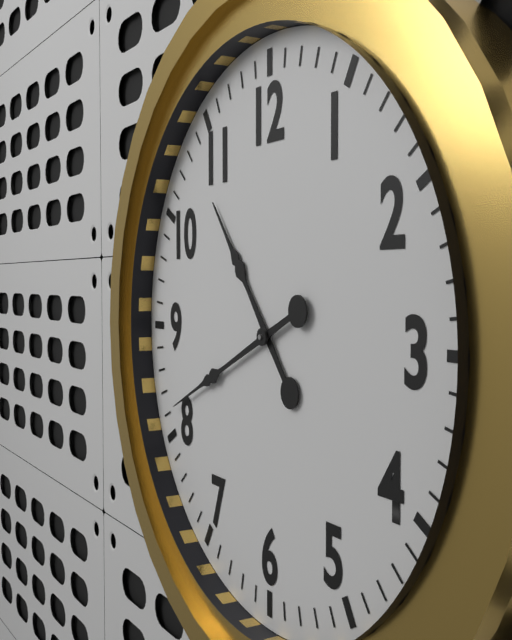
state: 10:41
